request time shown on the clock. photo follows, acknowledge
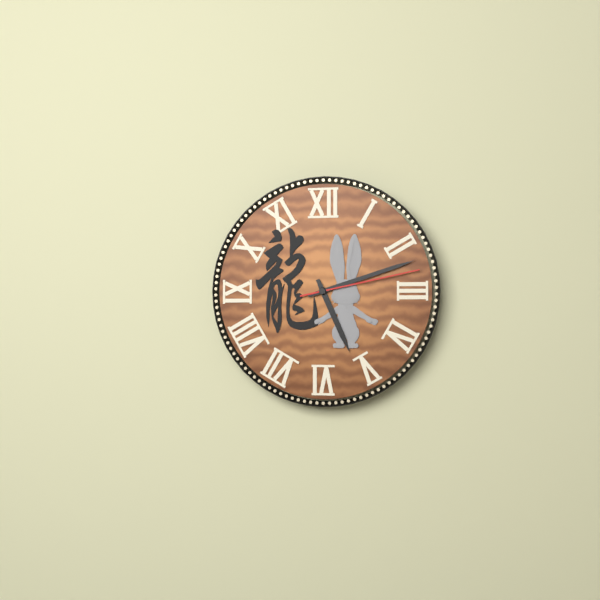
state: 5:12:13
